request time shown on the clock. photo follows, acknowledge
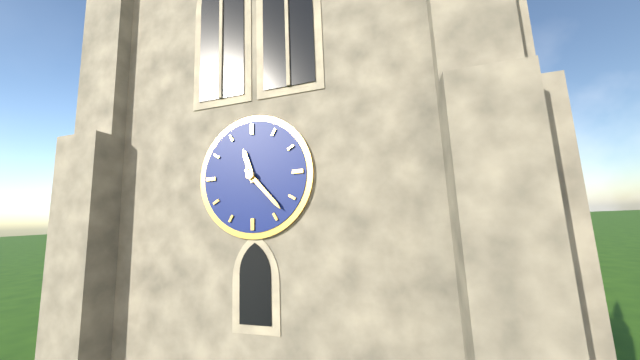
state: 11:23
